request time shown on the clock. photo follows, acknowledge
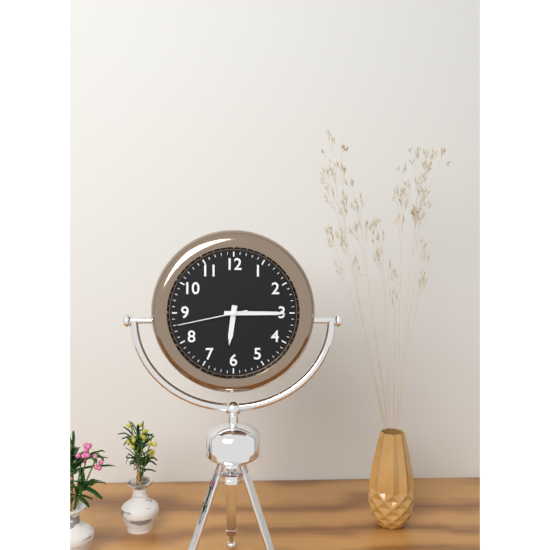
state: 6:15:43
